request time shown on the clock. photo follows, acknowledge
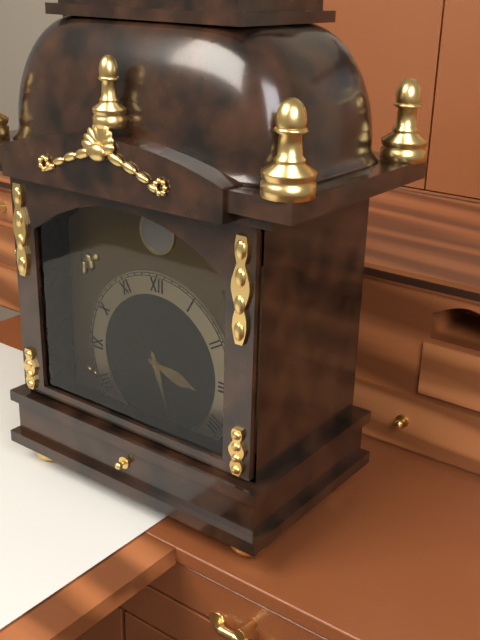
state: 3:27
